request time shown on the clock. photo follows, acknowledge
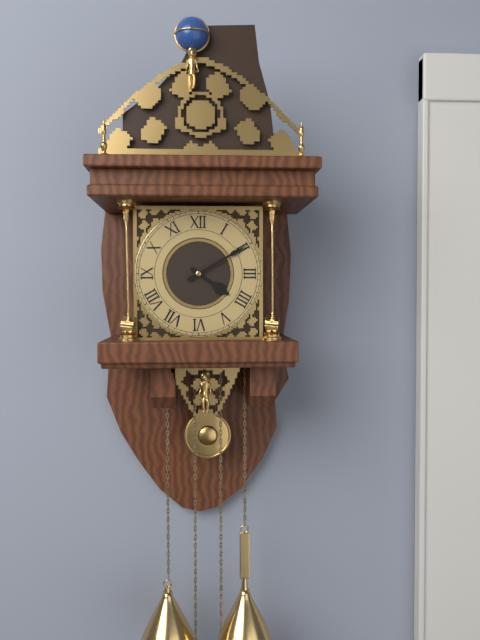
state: 4:10
